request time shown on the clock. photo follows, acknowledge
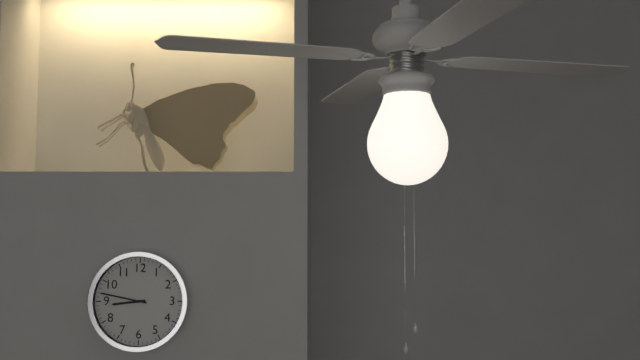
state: 8:47
